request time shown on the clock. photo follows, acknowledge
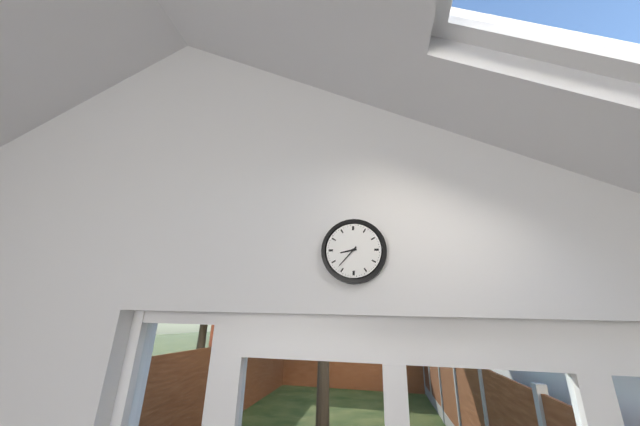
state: 8:37
